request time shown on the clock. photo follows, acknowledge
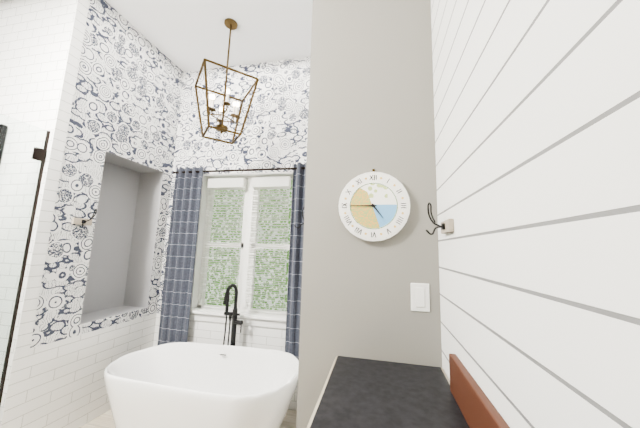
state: 4:45
